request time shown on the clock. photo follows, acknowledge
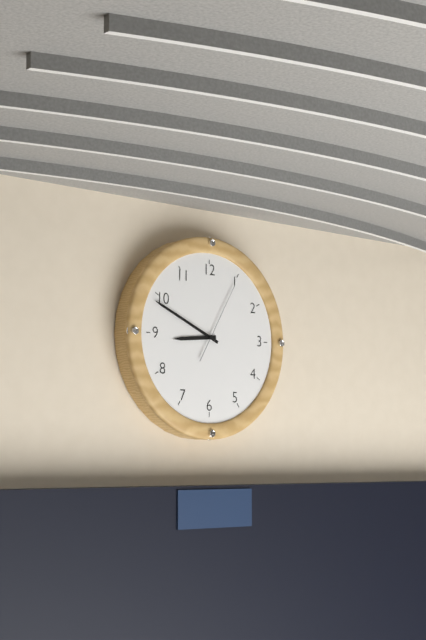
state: 8:49:05
